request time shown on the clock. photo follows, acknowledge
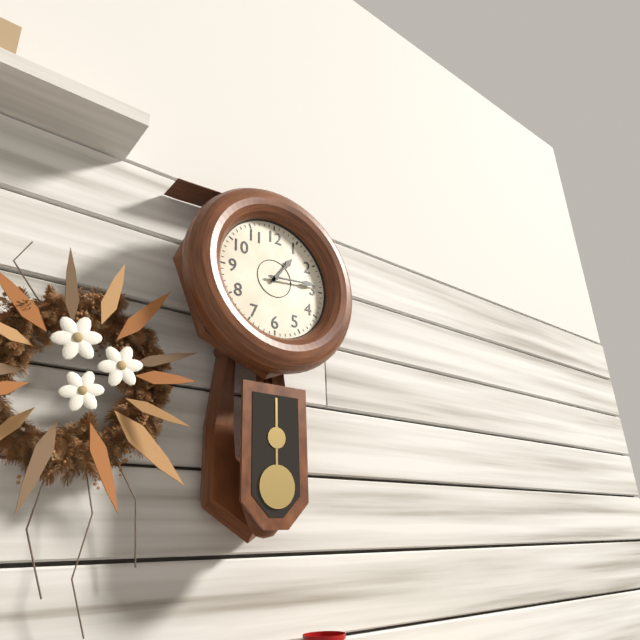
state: 1:14
